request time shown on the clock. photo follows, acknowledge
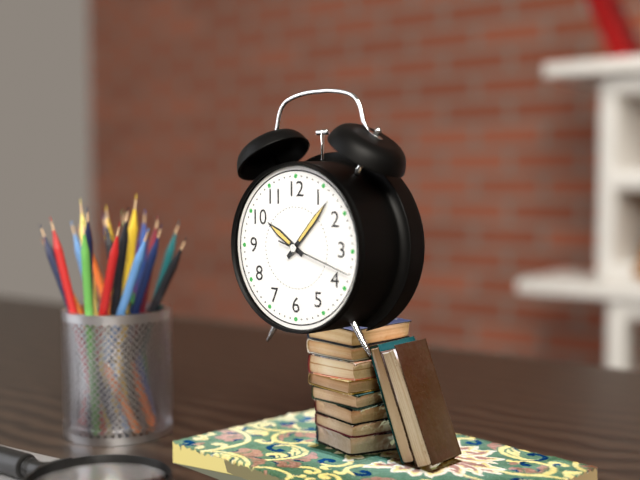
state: 10:07:18
